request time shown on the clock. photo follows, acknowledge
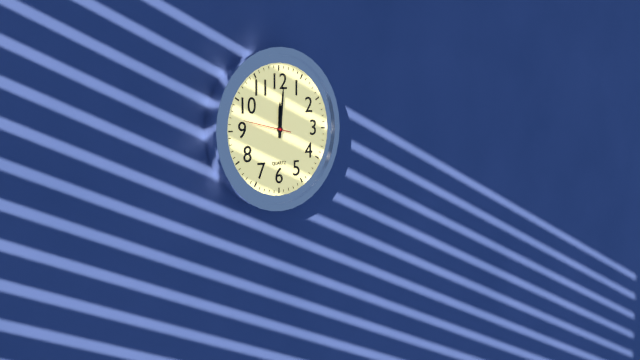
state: 12:01
